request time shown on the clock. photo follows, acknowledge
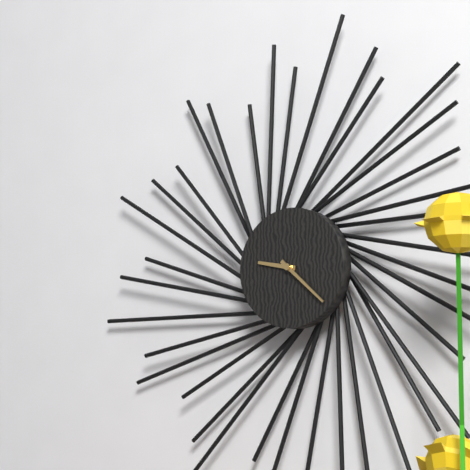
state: 9:22
